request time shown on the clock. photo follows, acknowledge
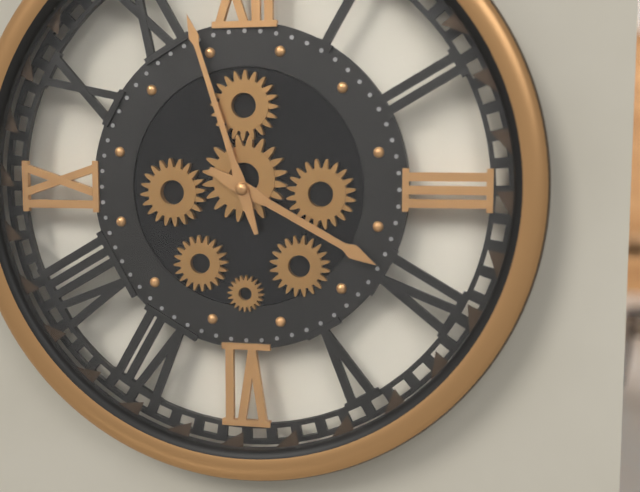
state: 3:57
